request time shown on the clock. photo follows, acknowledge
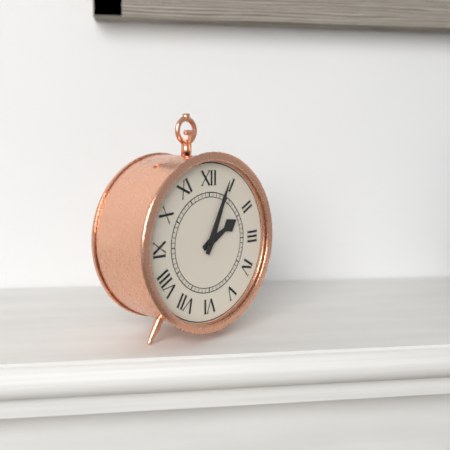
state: 2:04
